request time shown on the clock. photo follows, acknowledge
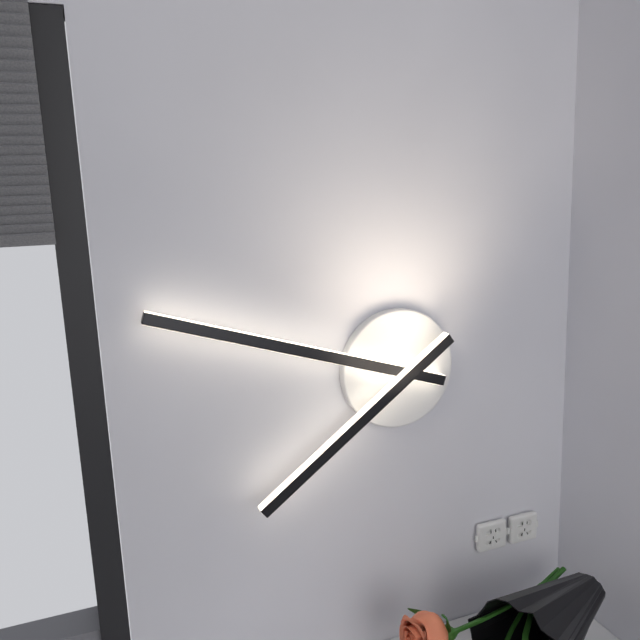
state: 7:48
